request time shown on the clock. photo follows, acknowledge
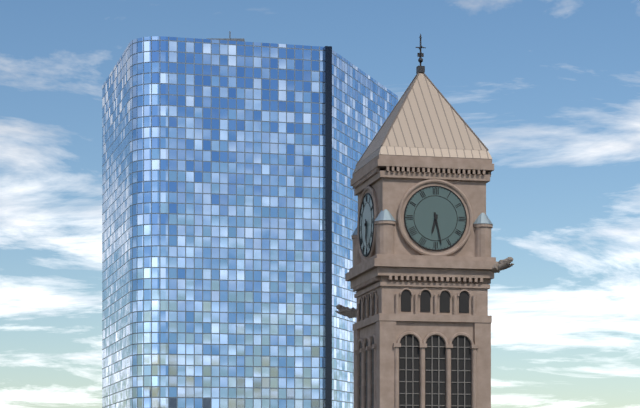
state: 6:28
